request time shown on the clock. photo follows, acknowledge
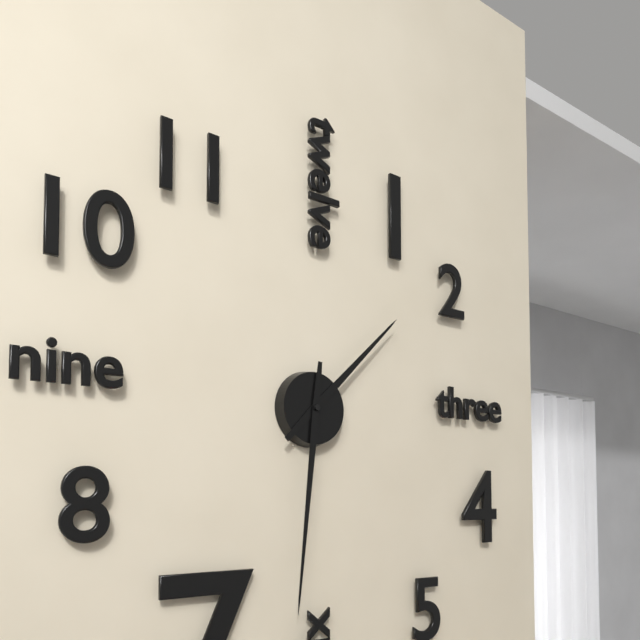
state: 1:31
